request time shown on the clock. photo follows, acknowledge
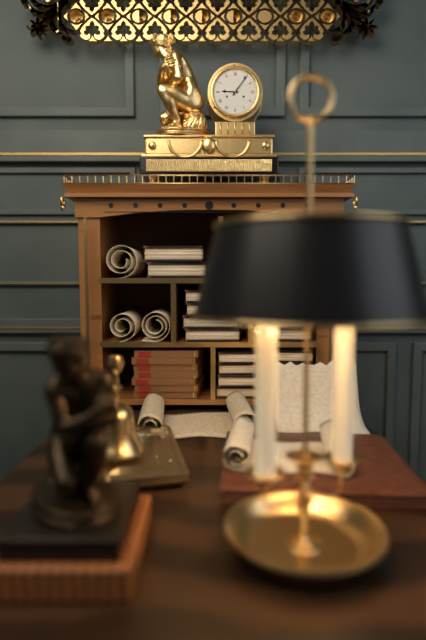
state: 9:06
